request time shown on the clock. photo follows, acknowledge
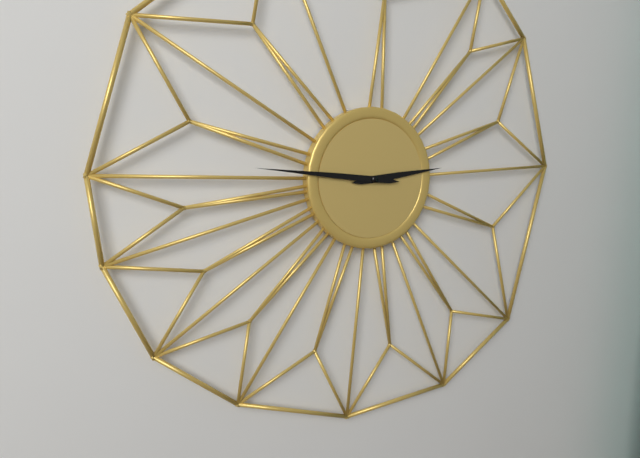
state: 2:46
